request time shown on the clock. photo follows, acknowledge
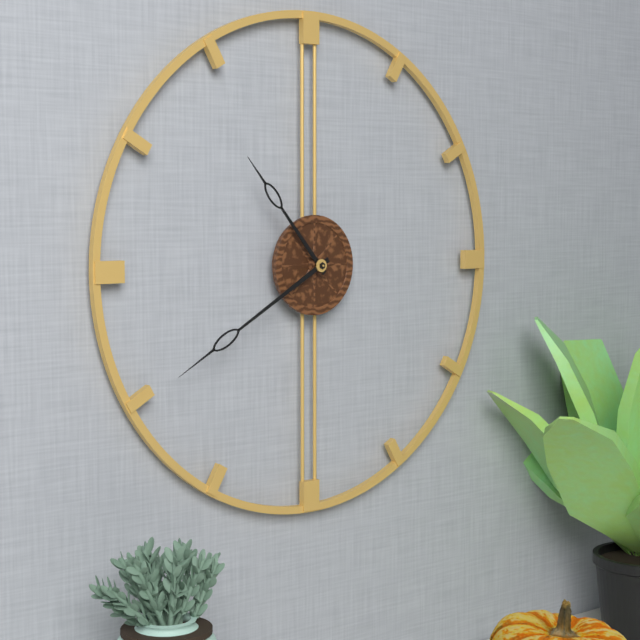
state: 10:40
